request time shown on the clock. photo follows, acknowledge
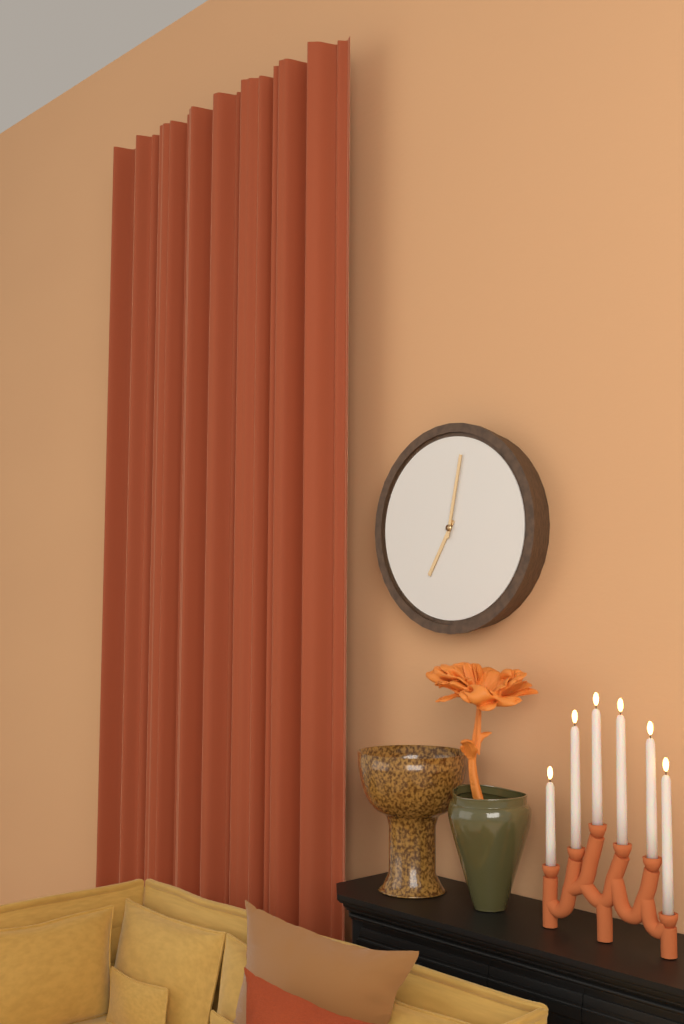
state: 7:02
